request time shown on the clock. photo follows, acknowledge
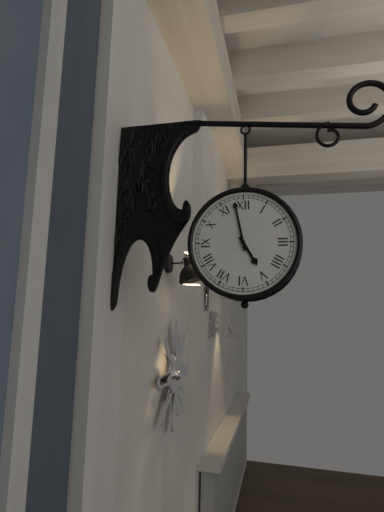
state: 4:58
